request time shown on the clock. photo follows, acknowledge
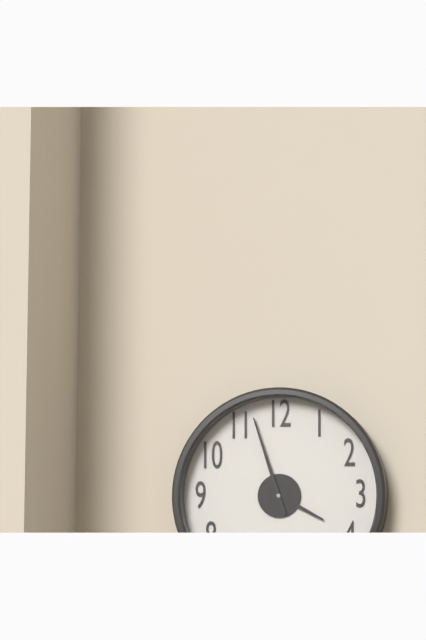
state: 3:57
